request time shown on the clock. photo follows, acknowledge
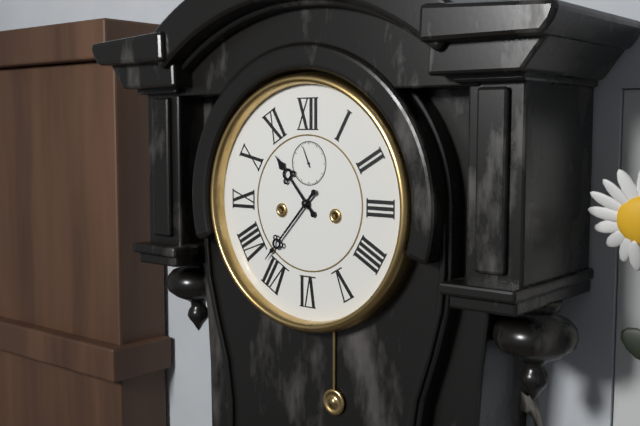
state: 10:37
